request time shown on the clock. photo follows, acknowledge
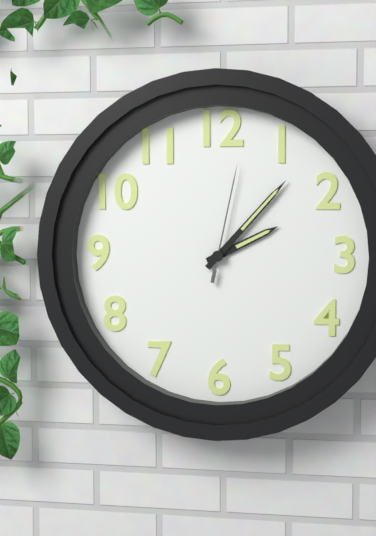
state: 2:07:02
